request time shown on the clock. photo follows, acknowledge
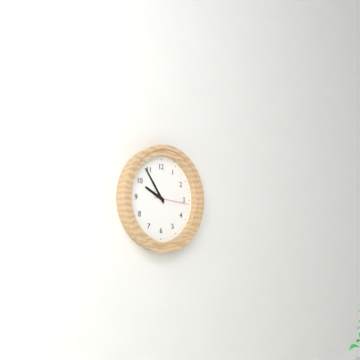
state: 9:54
